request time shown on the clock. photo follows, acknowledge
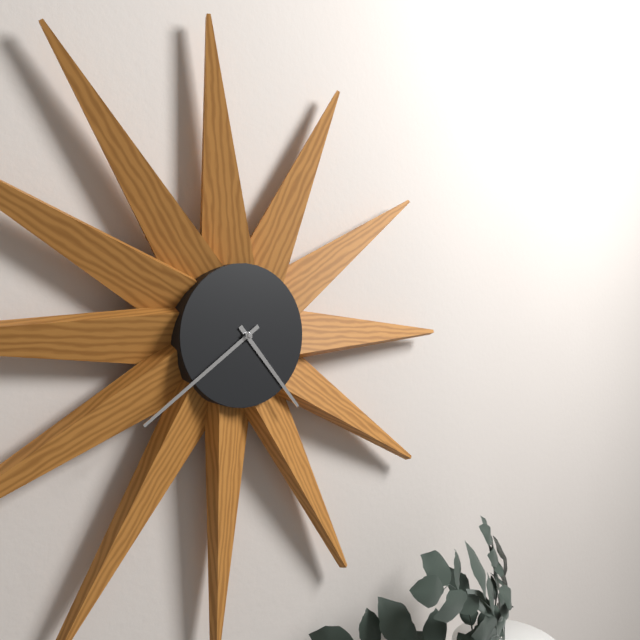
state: 4:39
